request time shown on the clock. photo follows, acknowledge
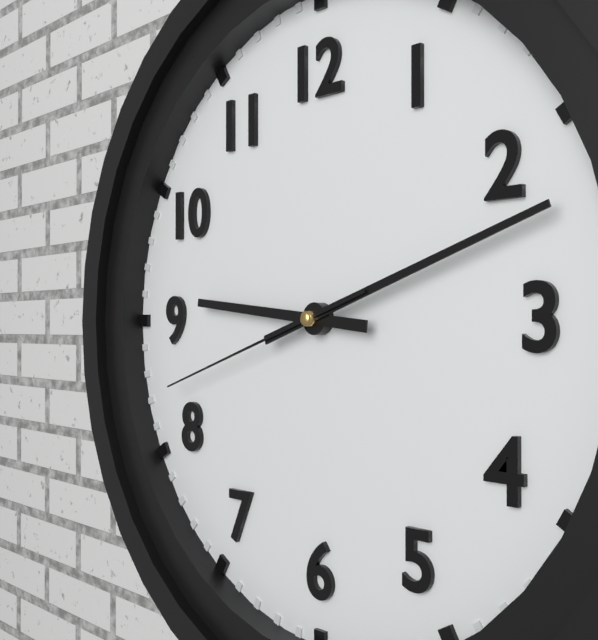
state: 9:12:42
